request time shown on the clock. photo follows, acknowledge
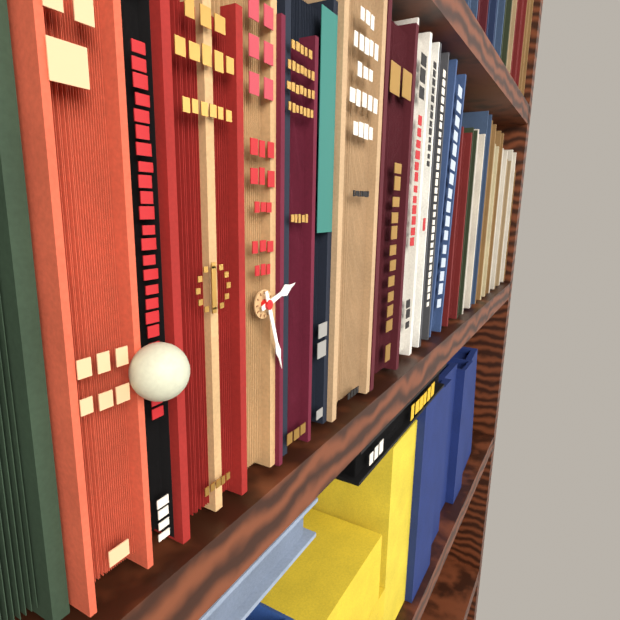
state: 2:27
